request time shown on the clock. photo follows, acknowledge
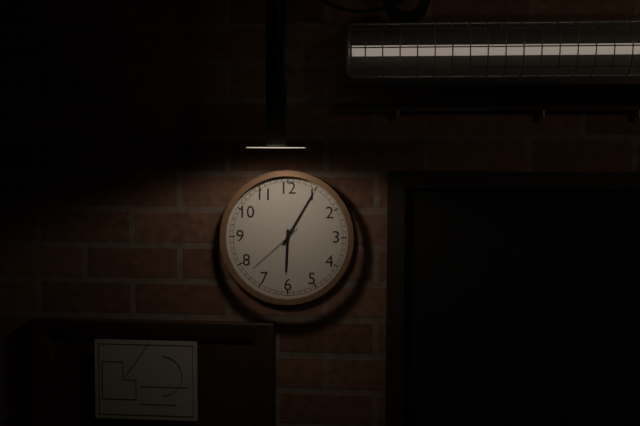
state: 6:05:38
